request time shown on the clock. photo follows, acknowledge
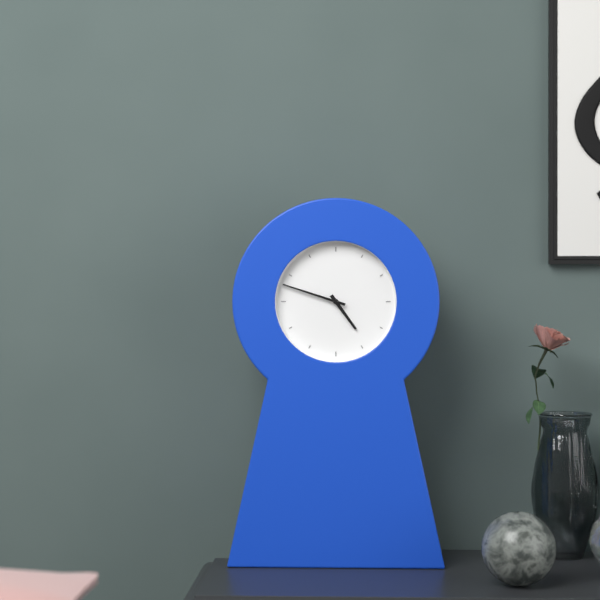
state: 4:48
